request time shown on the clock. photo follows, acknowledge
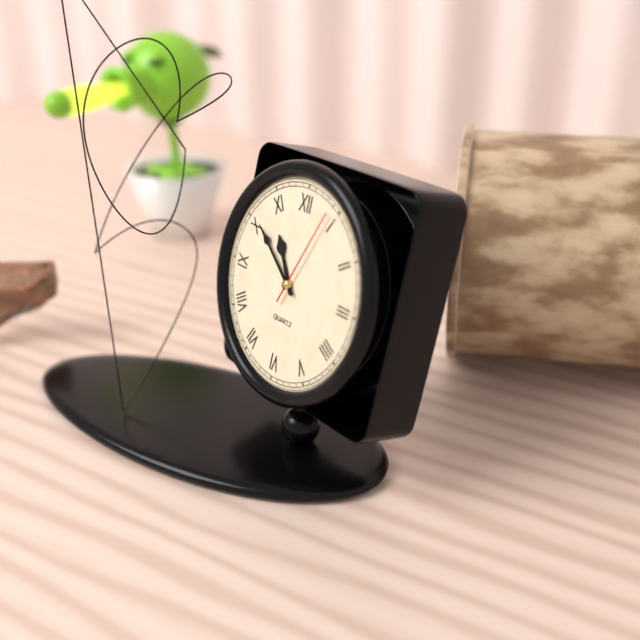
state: 10:51:04
